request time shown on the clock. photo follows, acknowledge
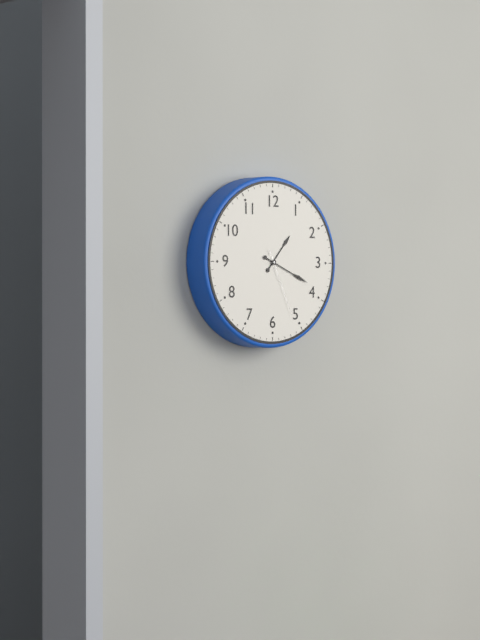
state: 1:19:26
